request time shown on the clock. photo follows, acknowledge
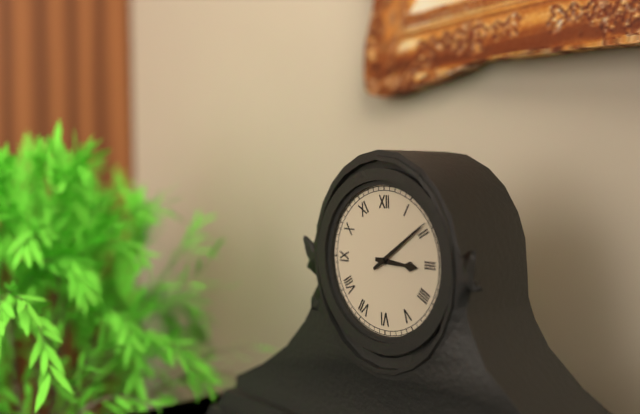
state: 3:09
